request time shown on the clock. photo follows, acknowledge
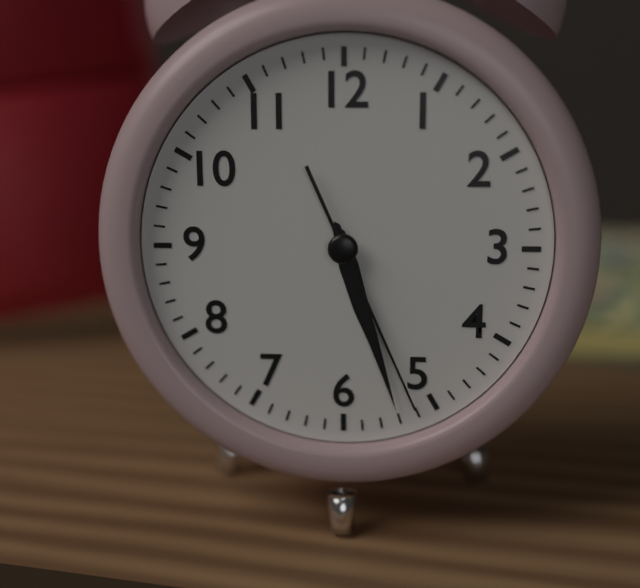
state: 5:27:26
